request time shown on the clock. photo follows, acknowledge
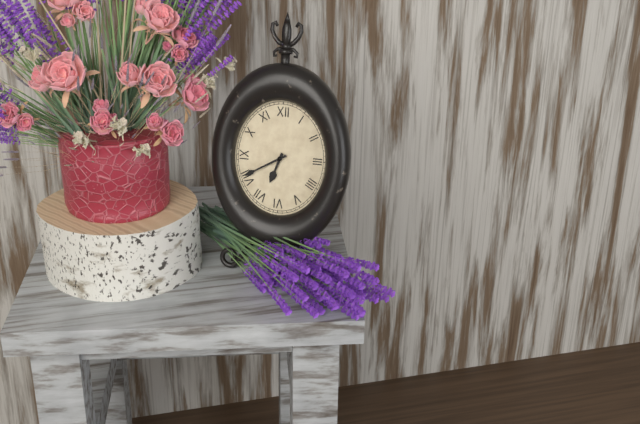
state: 6:40
